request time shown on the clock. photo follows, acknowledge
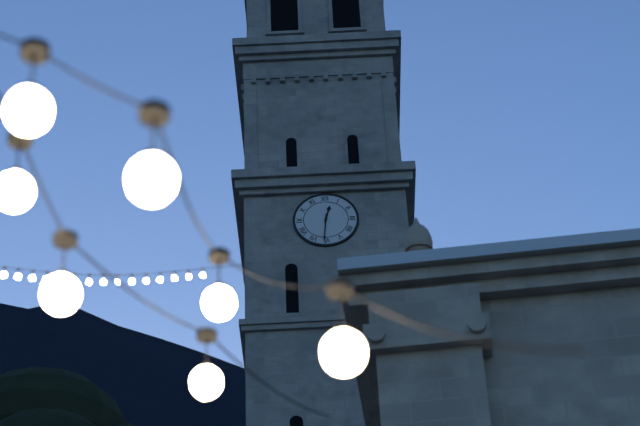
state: 12:31
